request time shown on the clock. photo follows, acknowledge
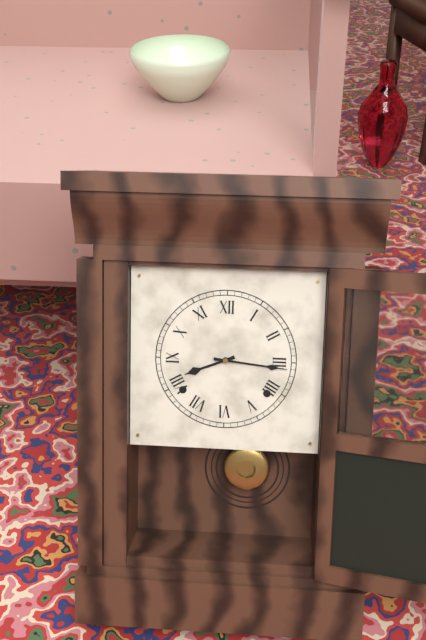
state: 8:16
